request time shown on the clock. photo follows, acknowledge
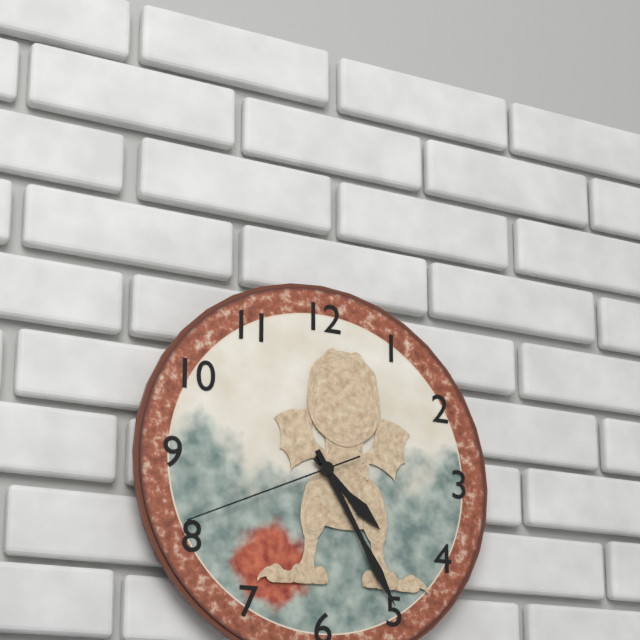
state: 4:25:41
